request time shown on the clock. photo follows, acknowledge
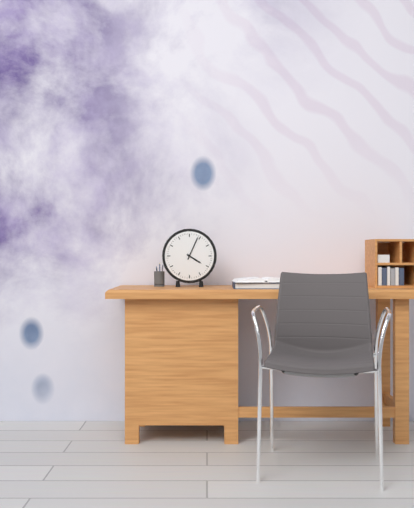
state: 4:04
